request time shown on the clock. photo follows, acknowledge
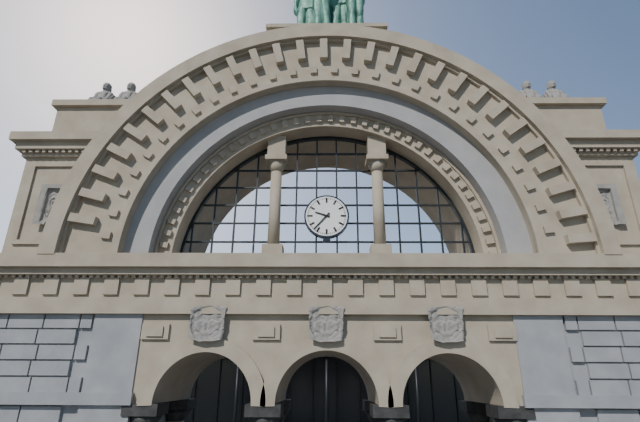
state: 9:37
